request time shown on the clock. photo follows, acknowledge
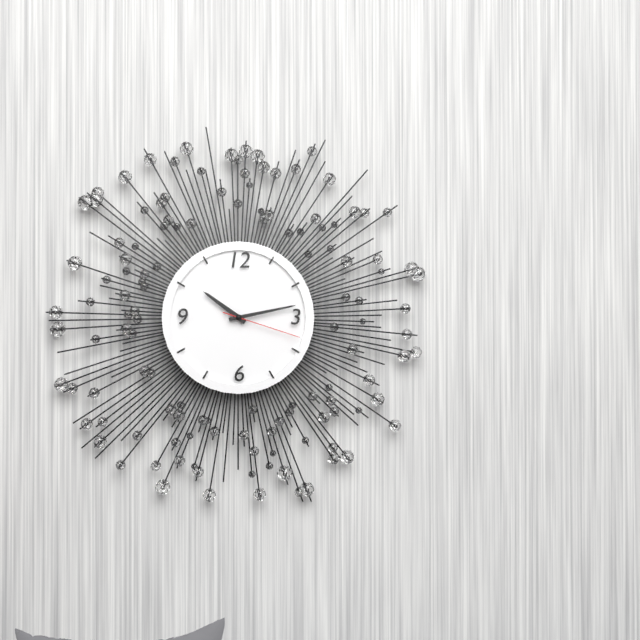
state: 10:13:18
